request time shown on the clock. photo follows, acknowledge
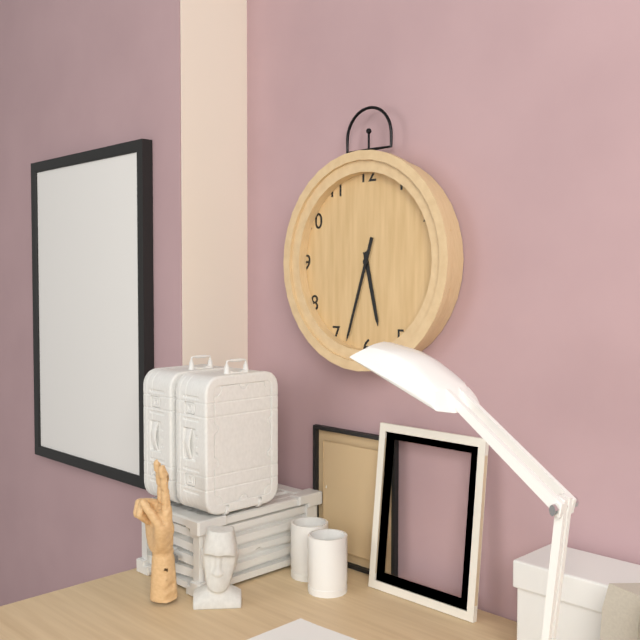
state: 5:33
